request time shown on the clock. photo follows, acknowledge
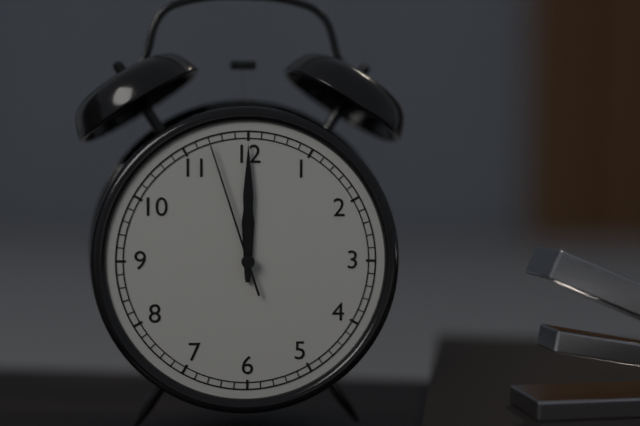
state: 12:00:57
